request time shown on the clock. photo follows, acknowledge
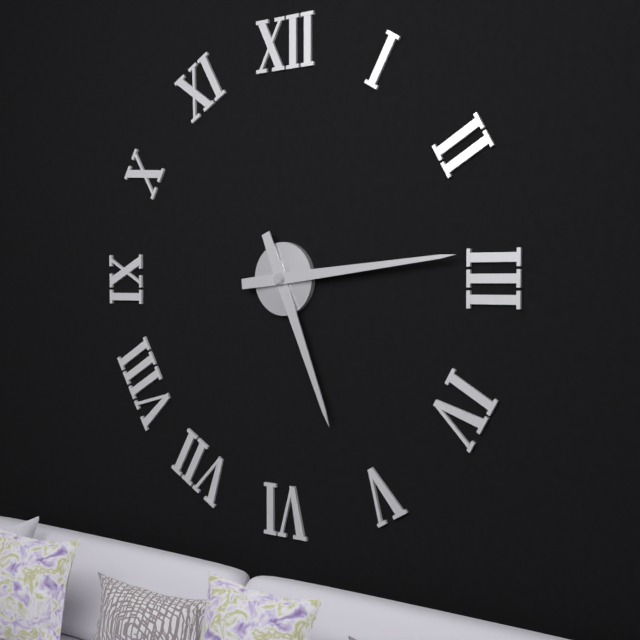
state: 5:14
